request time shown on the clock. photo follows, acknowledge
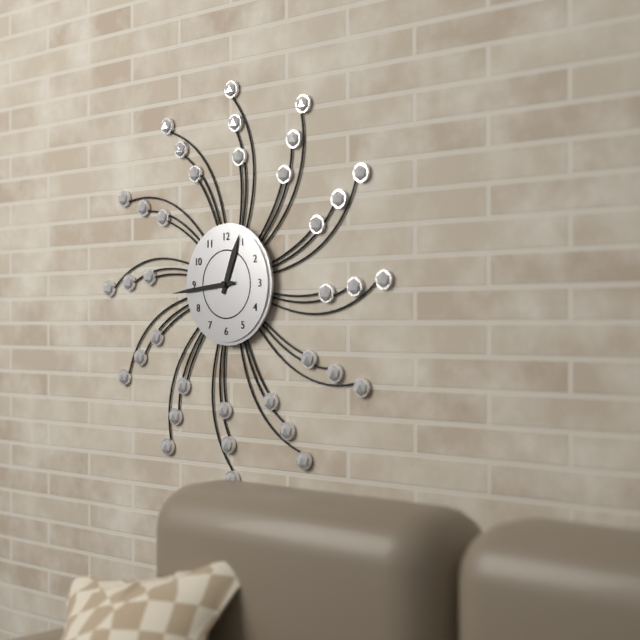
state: 12:44
